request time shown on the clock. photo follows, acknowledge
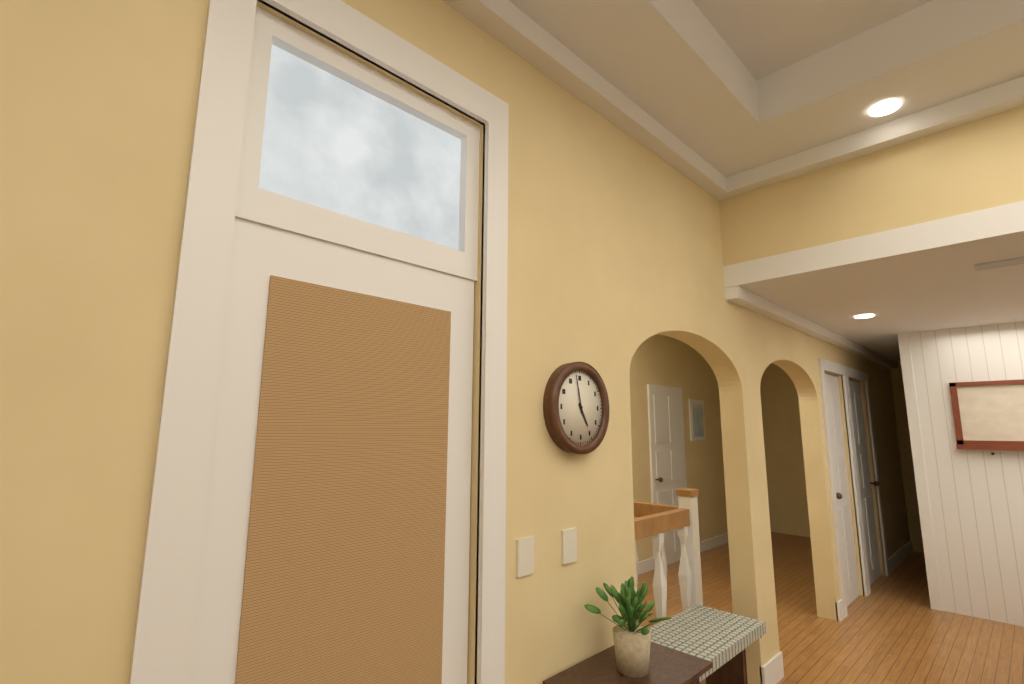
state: 4:58
